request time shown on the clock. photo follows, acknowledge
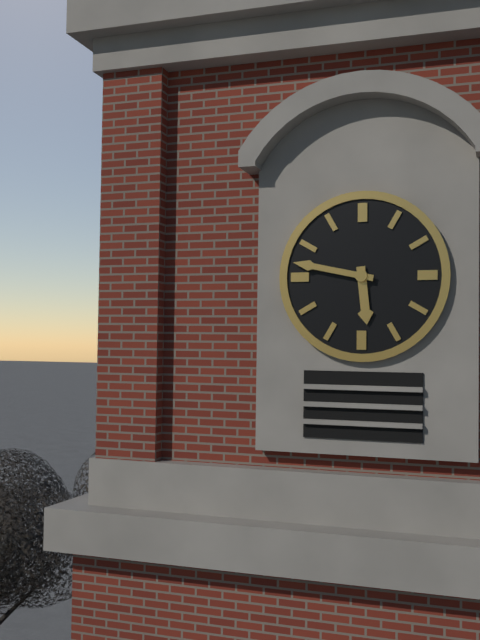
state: 5:47
